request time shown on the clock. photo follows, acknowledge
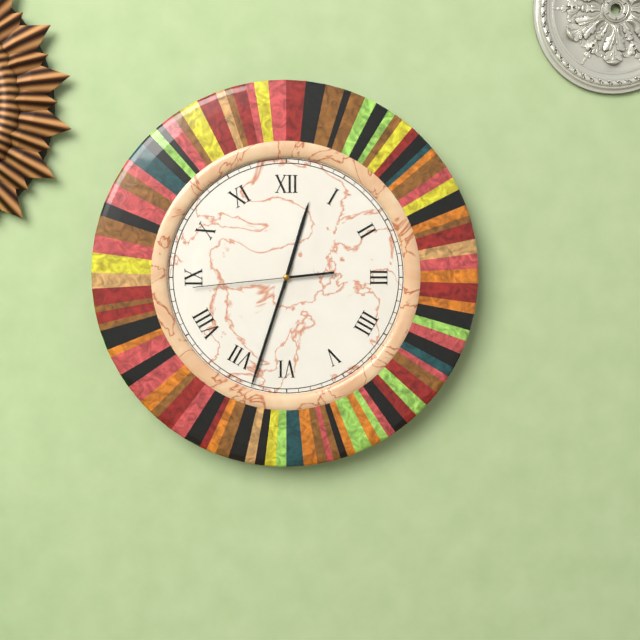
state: 12:33:44
